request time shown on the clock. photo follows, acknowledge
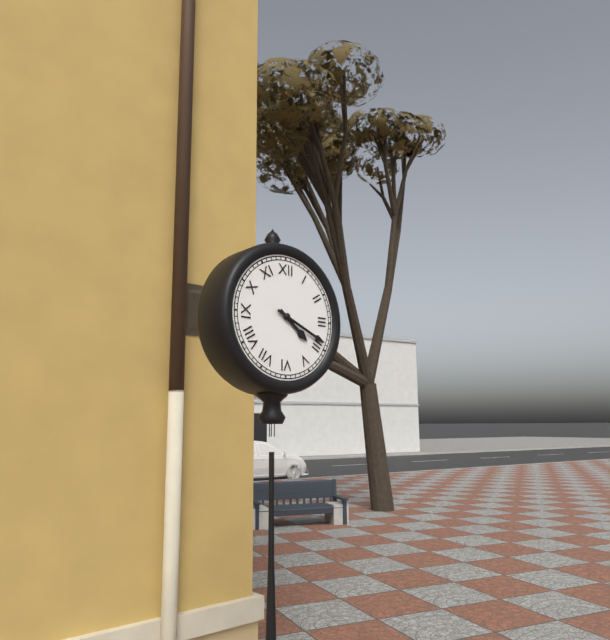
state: 4:19
